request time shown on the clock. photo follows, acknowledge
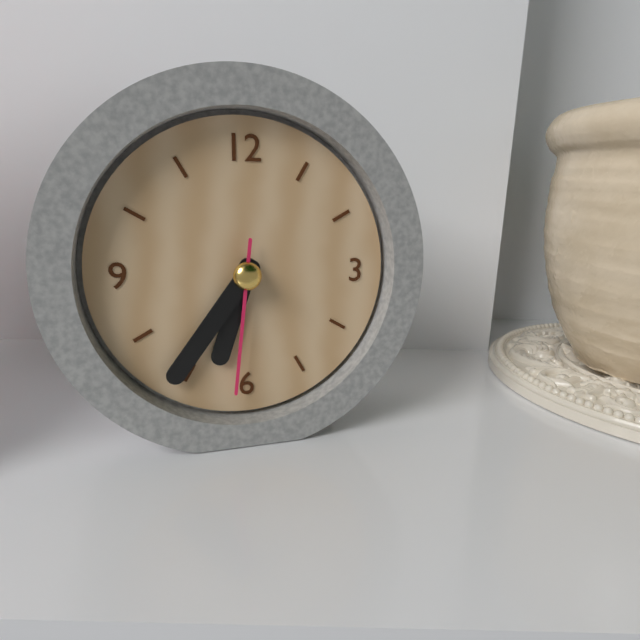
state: 6:36:31
